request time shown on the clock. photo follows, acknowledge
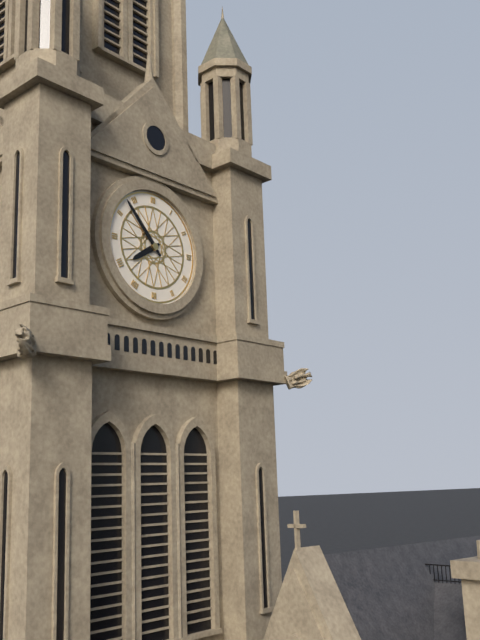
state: 7:53
